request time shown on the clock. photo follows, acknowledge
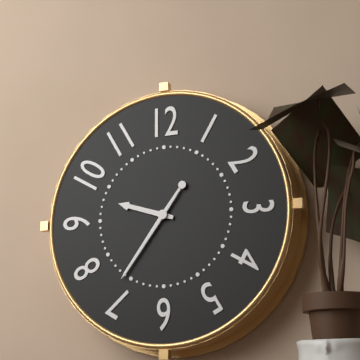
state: 9:36
